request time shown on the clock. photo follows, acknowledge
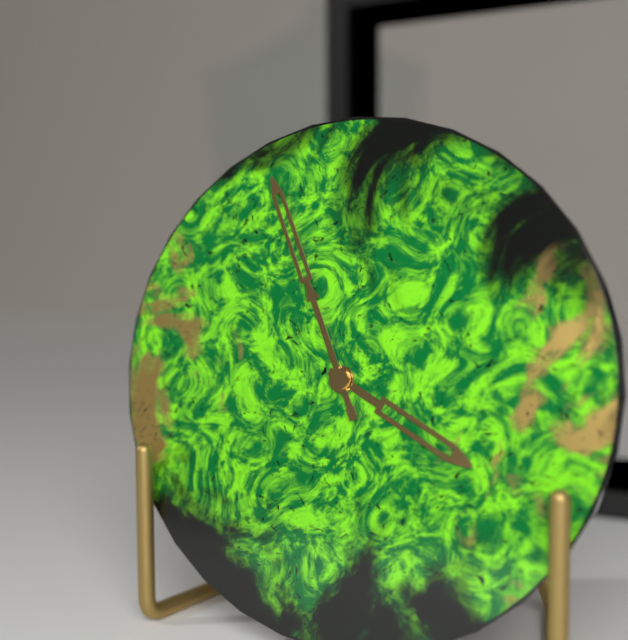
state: 3:56
